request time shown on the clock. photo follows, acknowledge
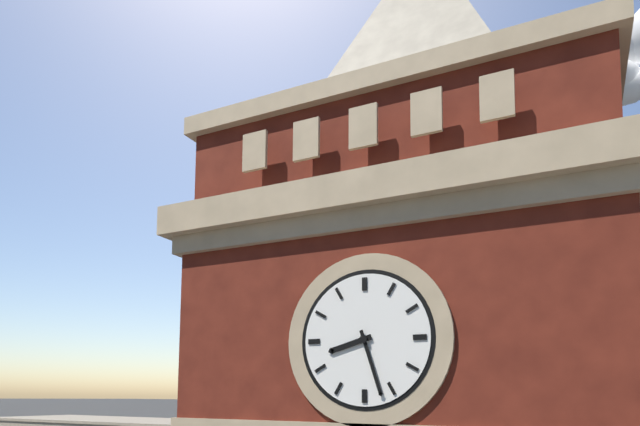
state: 8:27
